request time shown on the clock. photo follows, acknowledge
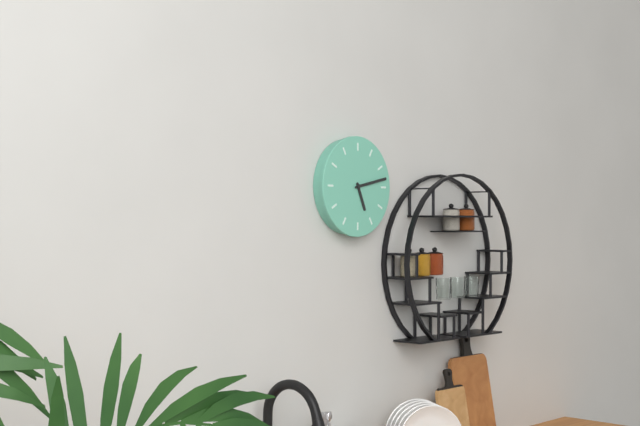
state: 5:13
